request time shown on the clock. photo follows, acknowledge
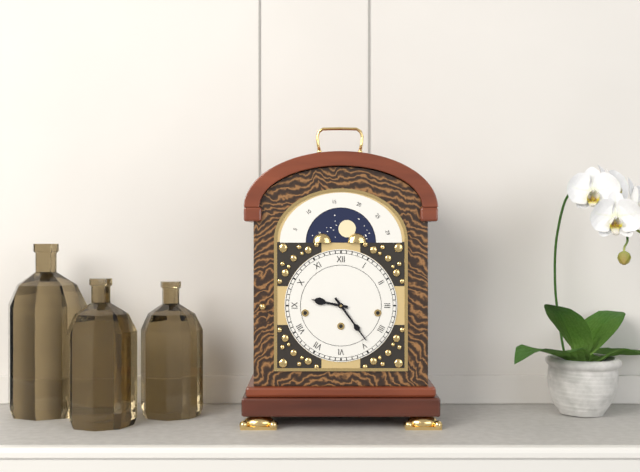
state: 9:24
